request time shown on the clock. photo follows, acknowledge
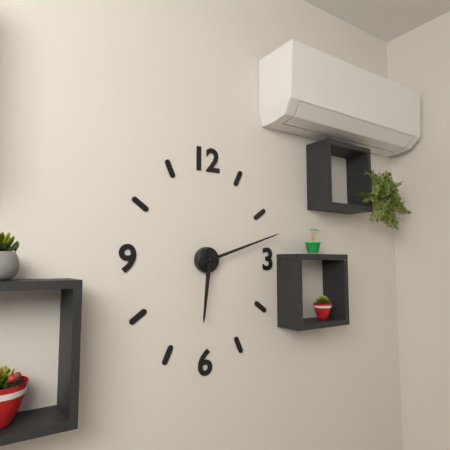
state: 6:12
